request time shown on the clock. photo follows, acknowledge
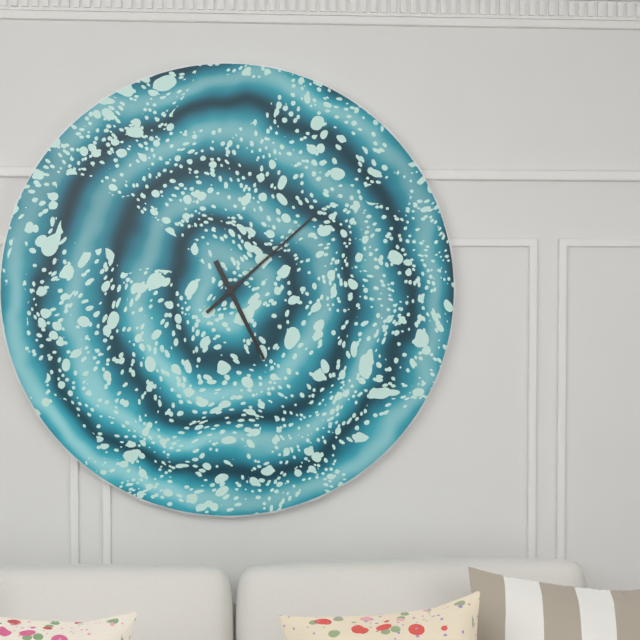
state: 5:08
